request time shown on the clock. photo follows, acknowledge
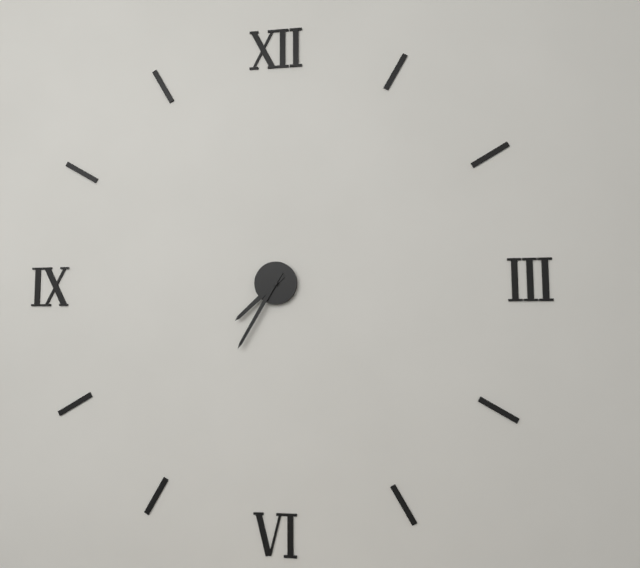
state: 7:35
